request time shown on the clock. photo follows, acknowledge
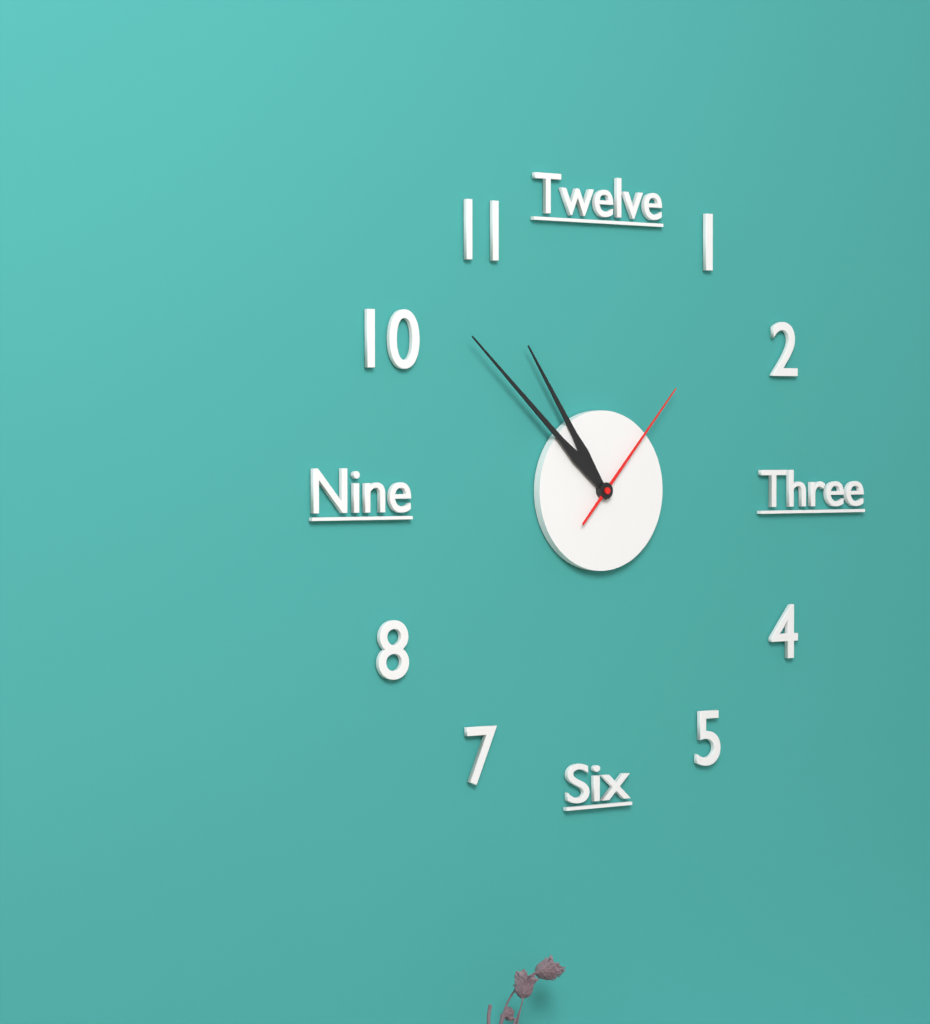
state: 10:52:07
